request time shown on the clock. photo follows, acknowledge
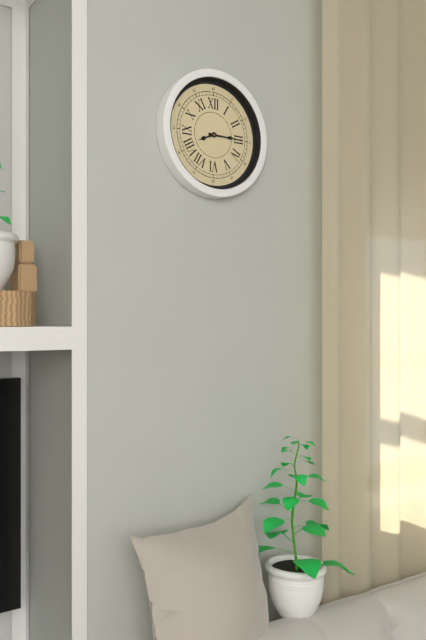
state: 8:15
